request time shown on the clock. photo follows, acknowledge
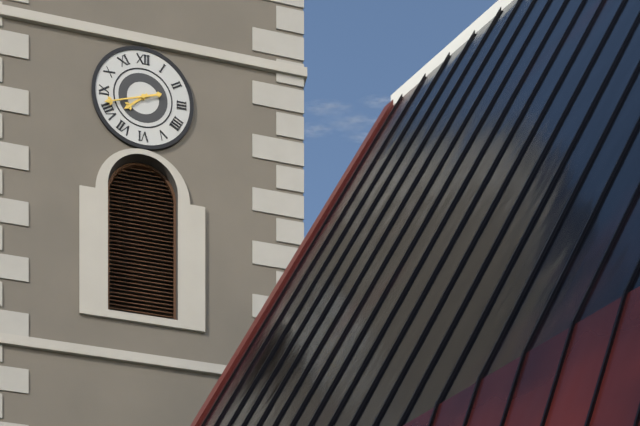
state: 7:42
